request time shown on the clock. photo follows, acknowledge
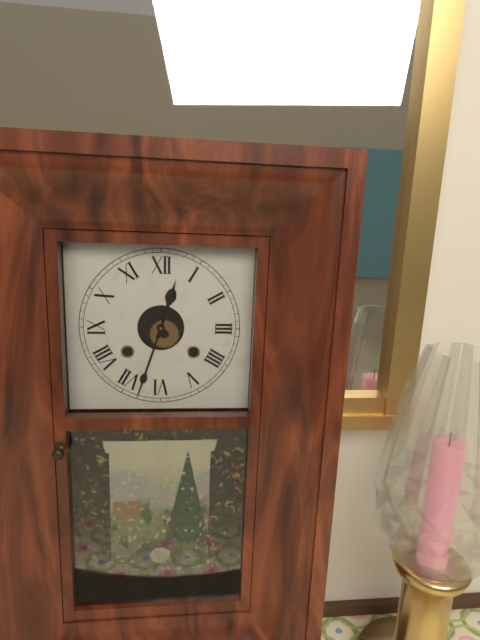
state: 12:33
